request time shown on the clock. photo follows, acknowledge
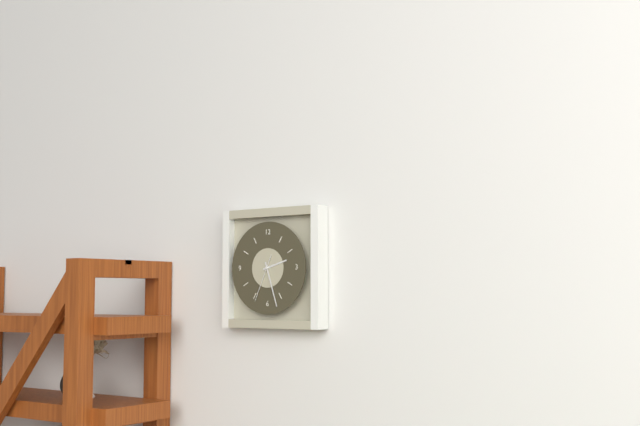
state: 2:27
